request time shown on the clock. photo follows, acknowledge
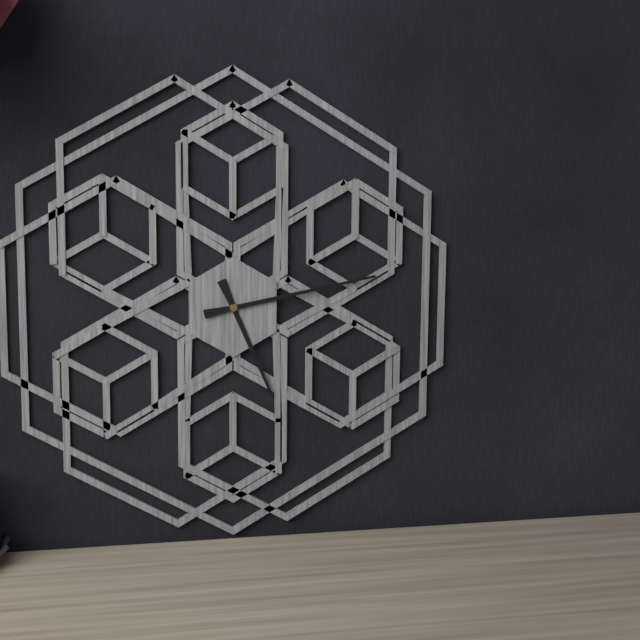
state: 5:13
